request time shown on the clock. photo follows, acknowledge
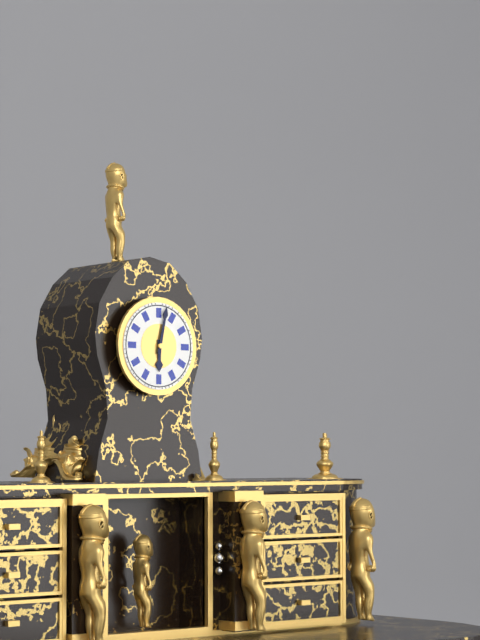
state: 6:02
